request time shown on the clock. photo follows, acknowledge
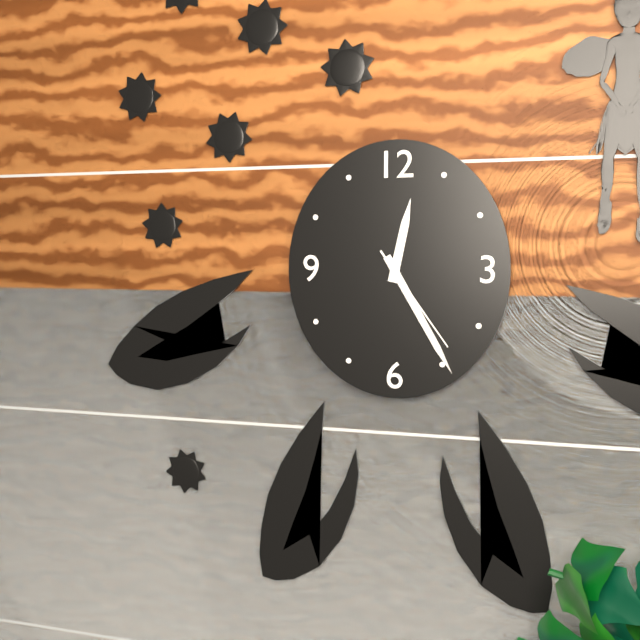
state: 12:25:24
